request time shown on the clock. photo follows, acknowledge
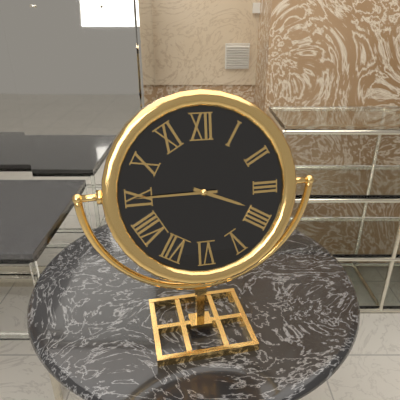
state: 3:45
